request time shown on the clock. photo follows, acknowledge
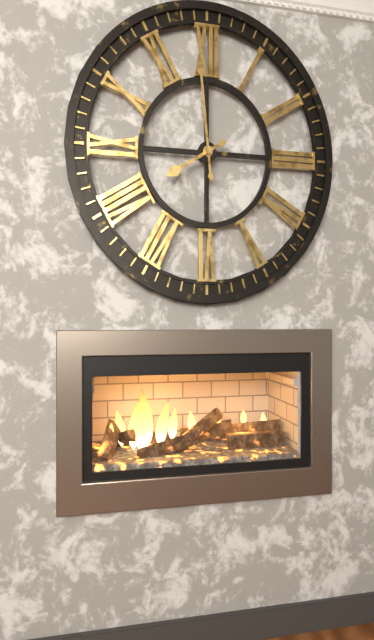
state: 7:59
